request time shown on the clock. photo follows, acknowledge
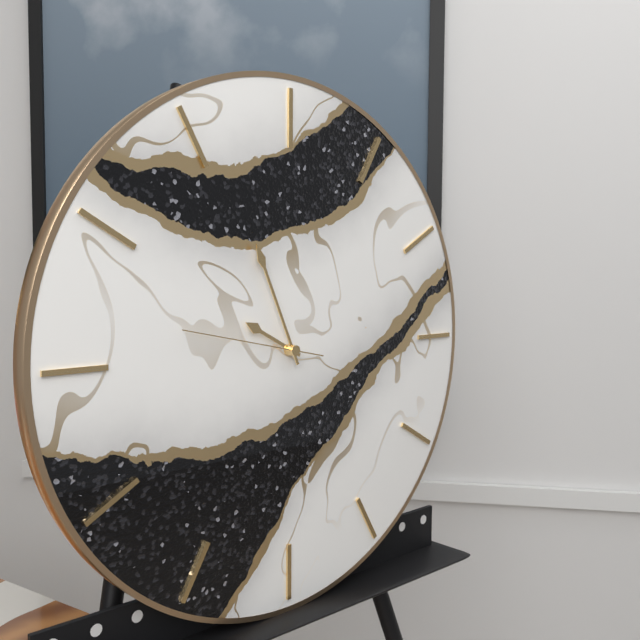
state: 9:56:47
